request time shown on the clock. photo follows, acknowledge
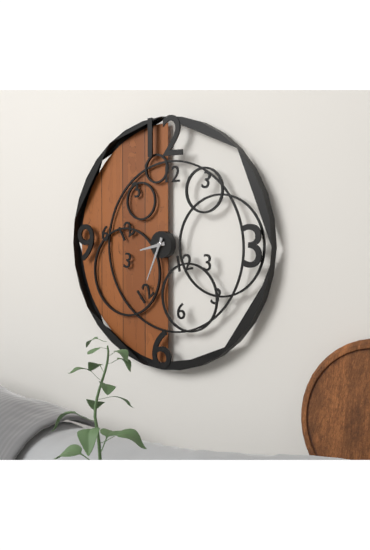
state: 8:34
